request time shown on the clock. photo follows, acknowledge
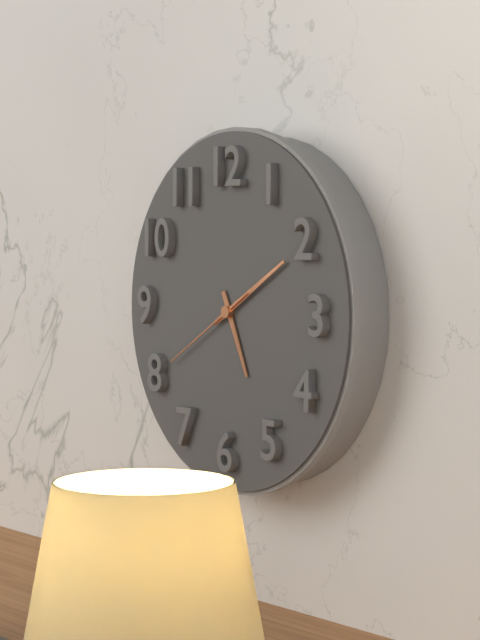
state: 5:10:40
